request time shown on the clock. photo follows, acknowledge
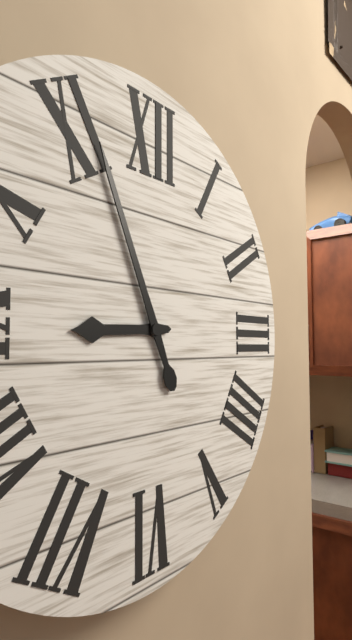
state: 8:56
